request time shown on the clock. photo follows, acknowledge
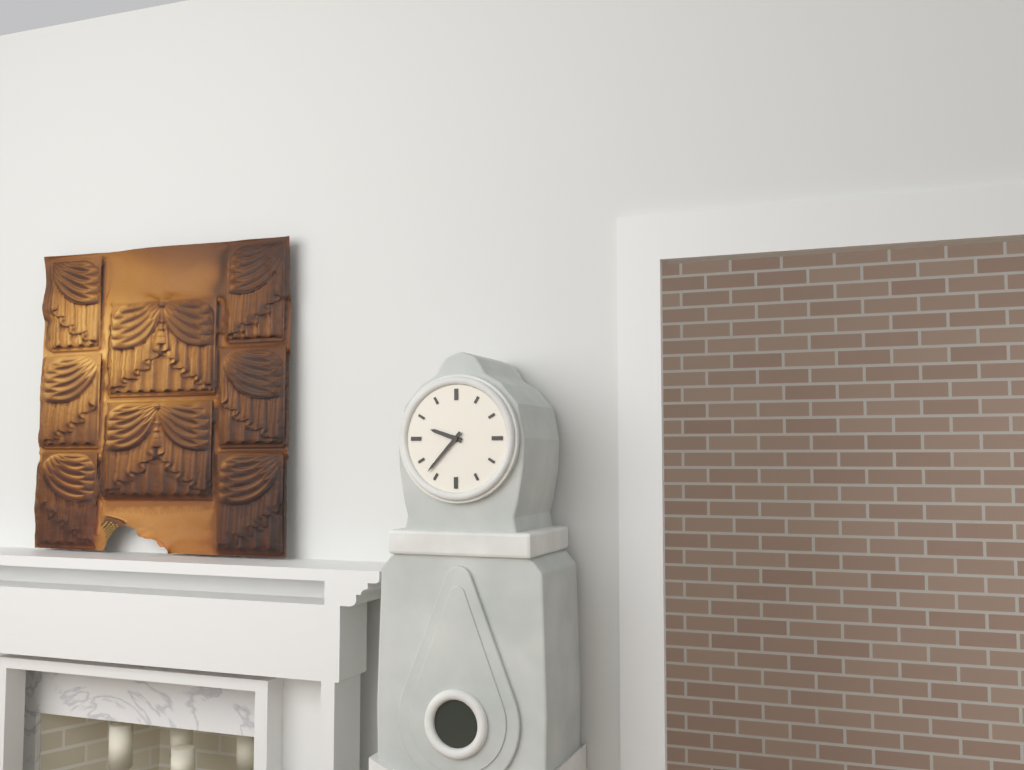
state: 9:37
